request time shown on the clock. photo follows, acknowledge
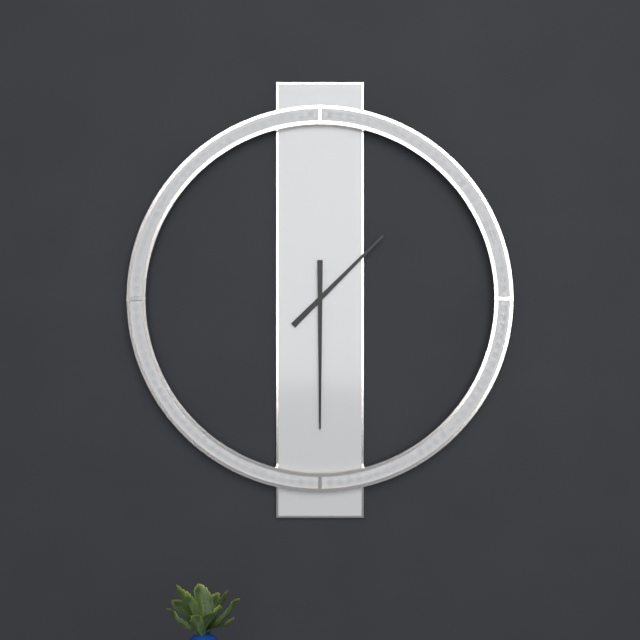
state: 1:30
